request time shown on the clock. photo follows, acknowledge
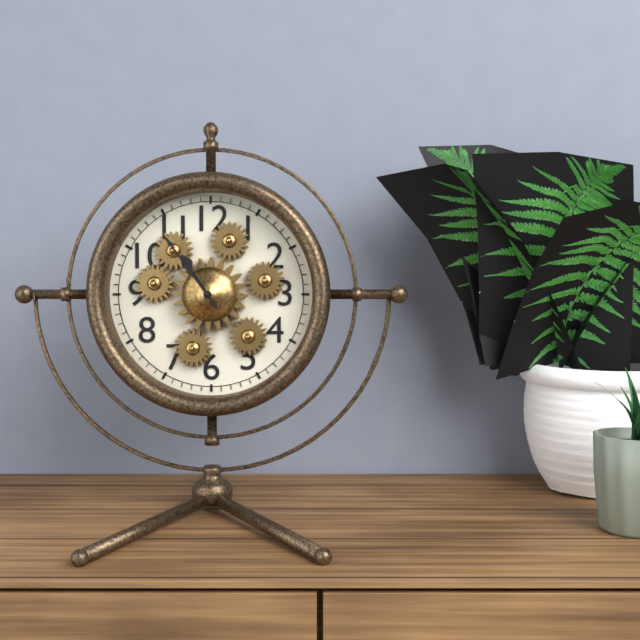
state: 10:54
